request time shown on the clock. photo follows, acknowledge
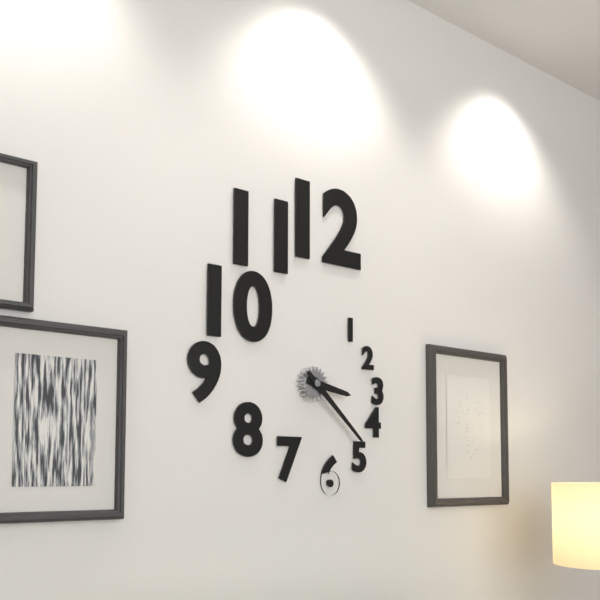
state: 3:22
